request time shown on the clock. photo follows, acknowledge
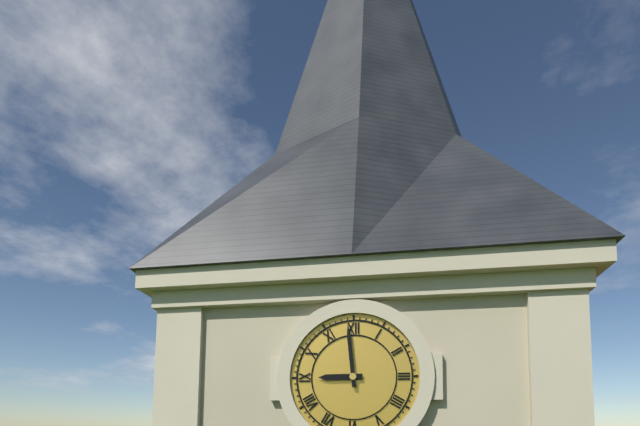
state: 8:59
